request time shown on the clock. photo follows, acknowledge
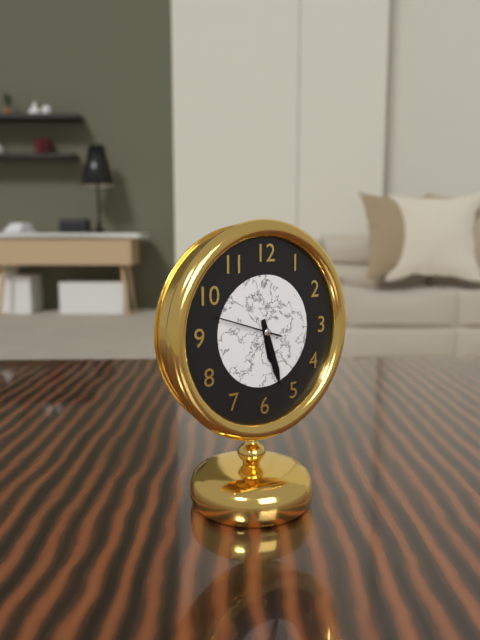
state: 5:27:48
